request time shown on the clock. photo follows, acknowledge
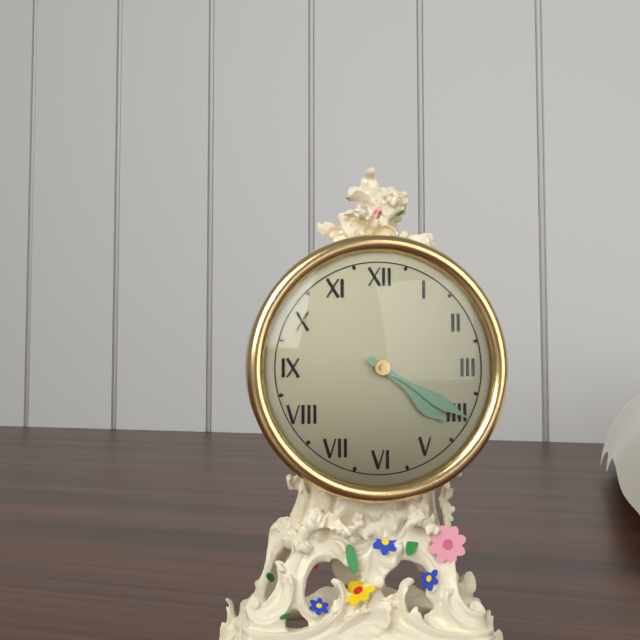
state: 4:20
